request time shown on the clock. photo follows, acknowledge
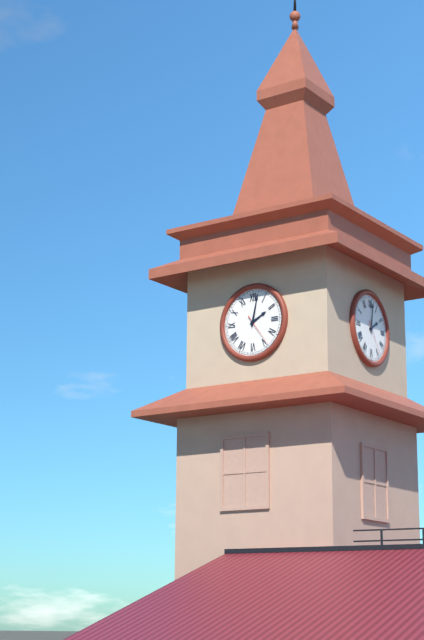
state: 2:02
